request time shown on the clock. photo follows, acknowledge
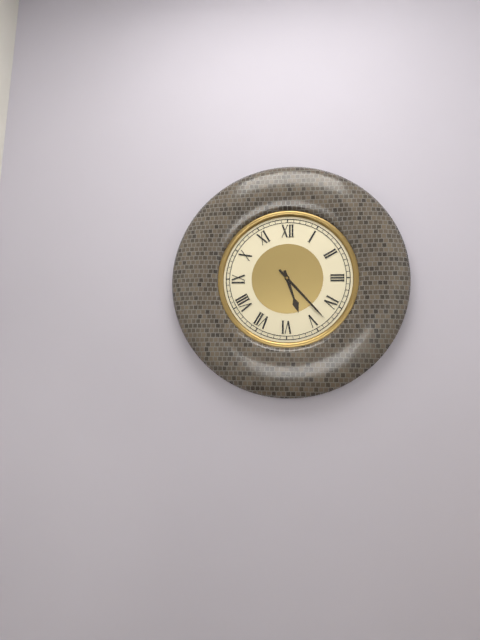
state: 5:23
